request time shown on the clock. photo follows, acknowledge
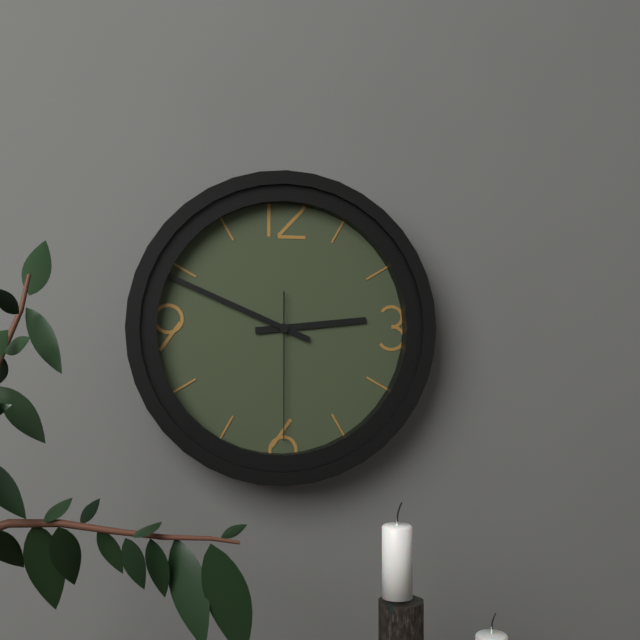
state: 2:49:30
